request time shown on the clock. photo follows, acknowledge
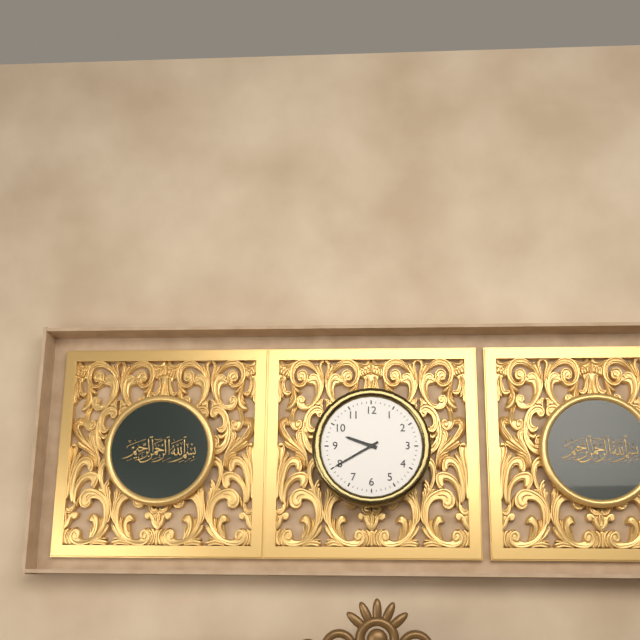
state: 9:40
